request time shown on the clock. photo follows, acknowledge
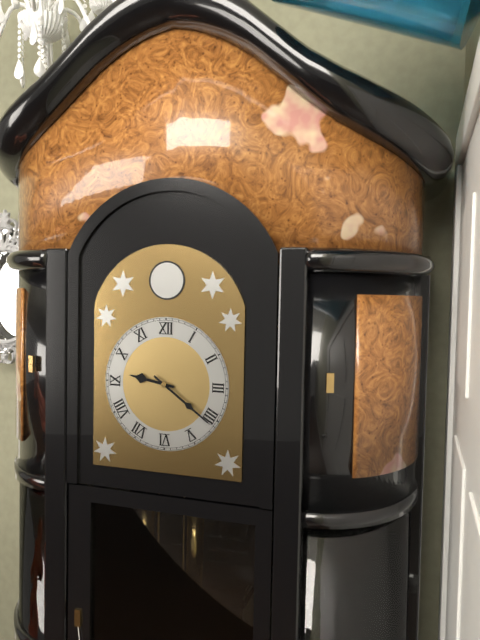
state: 9:21
